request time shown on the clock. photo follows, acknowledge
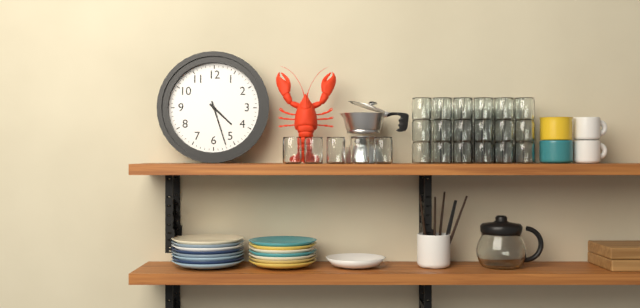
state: 4:27
